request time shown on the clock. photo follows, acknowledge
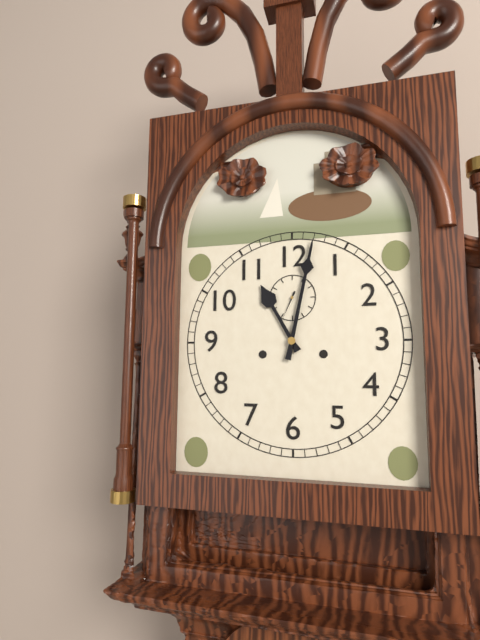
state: 11:02
